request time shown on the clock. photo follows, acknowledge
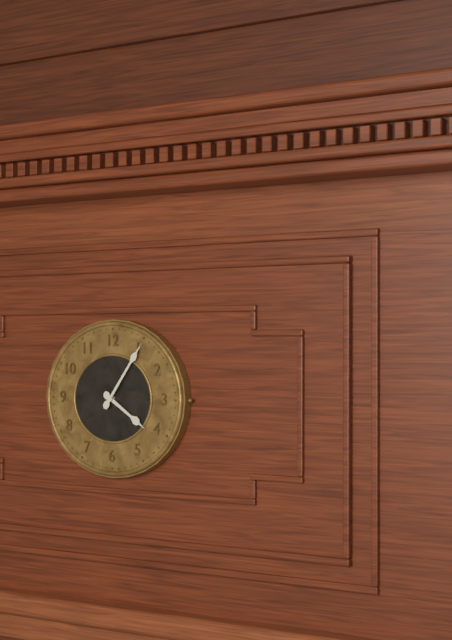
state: 4:06
